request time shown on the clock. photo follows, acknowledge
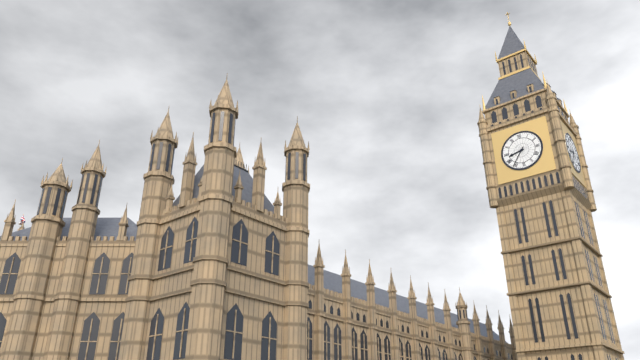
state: 8:36
